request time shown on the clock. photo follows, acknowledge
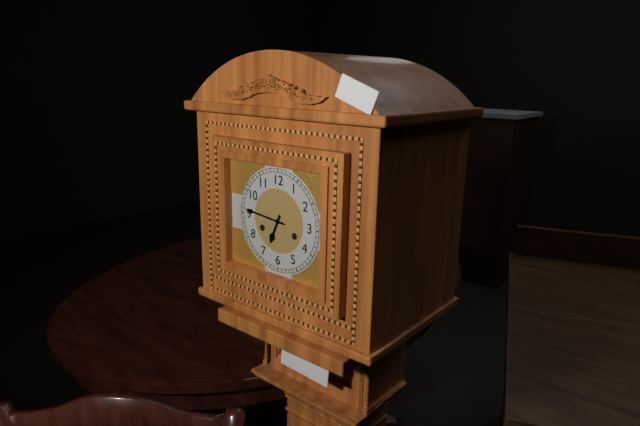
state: 6:46
